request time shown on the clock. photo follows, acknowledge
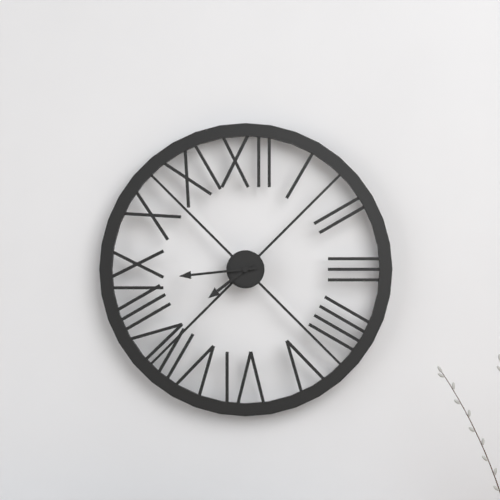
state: 7:44
